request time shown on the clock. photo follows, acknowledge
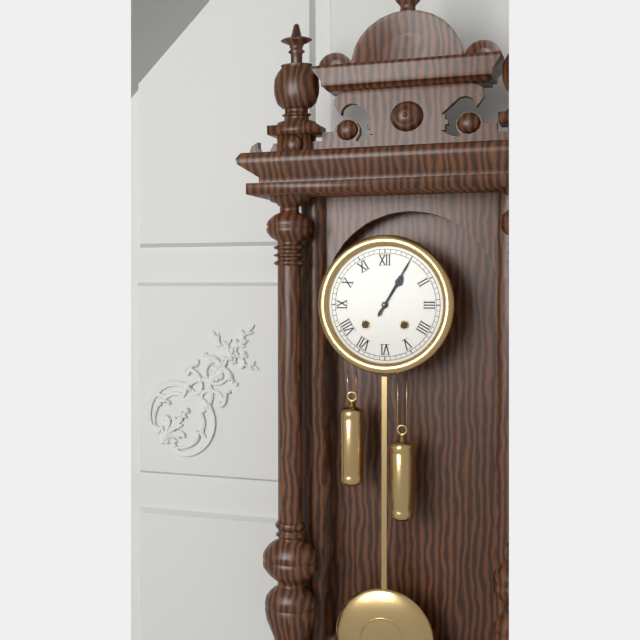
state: 1:05
